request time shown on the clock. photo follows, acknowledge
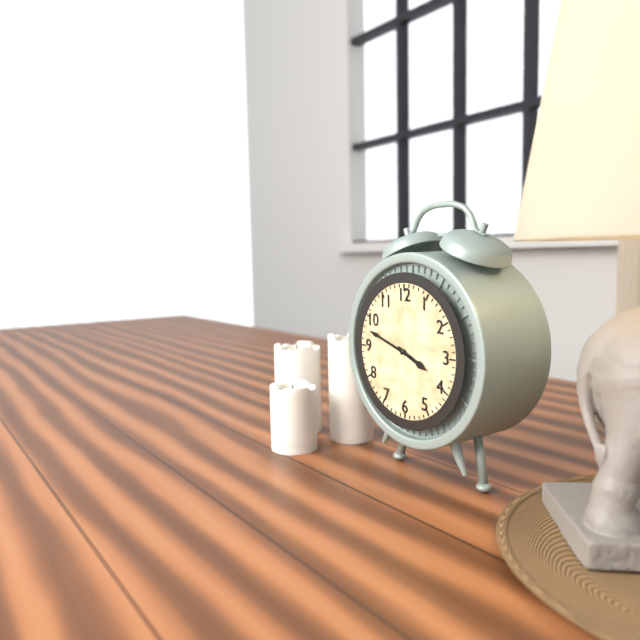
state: 3:48
